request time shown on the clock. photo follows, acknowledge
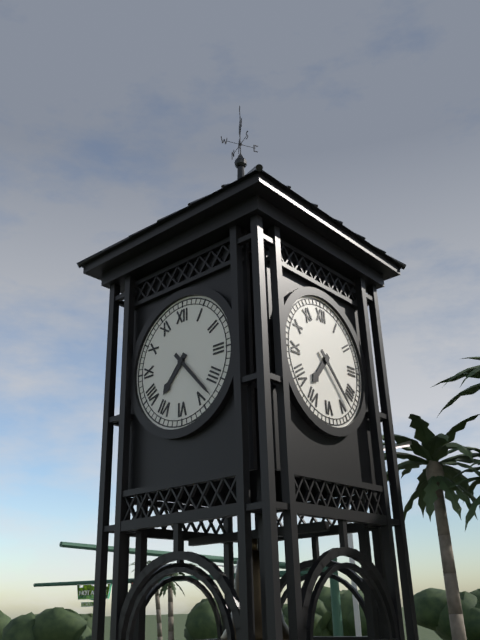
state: 7:23
